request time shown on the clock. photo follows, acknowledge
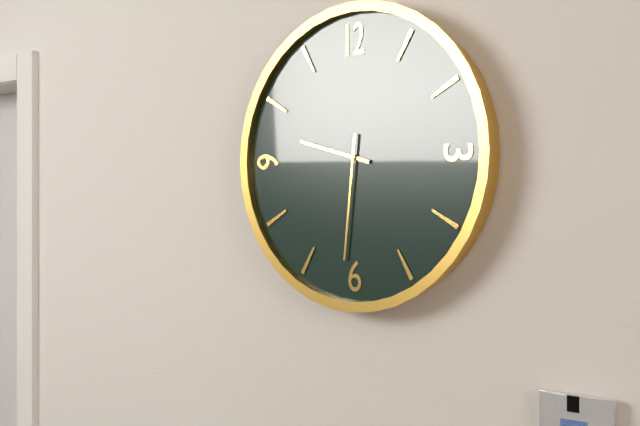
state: 9:31
